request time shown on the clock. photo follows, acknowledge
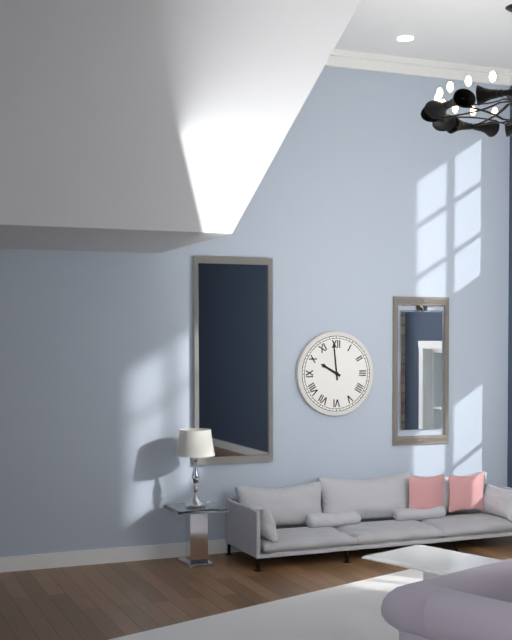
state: 9:59
